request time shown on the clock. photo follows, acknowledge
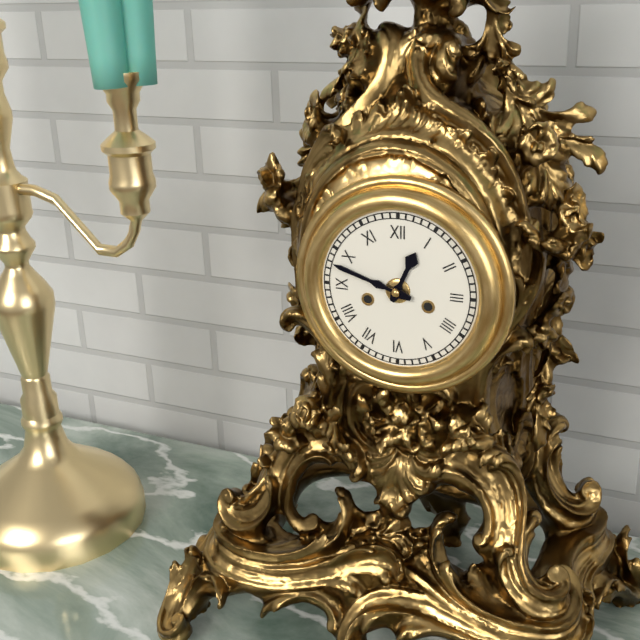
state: 12:48
